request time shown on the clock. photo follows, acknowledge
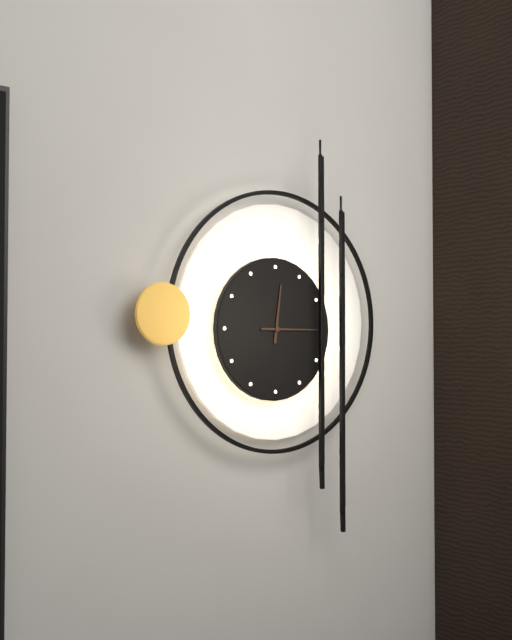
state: 12:15
